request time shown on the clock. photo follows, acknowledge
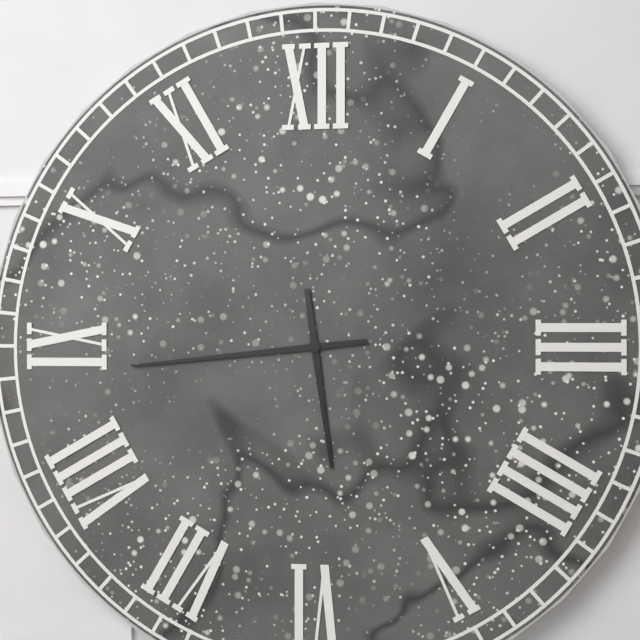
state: 5:44
